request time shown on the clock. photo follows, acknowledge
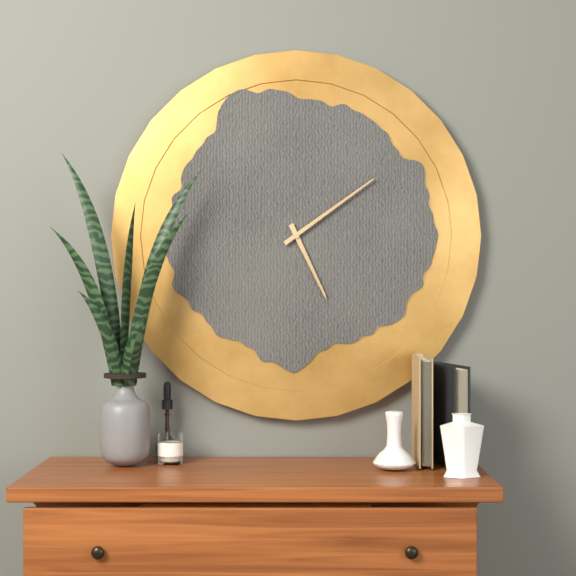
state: 5:09
